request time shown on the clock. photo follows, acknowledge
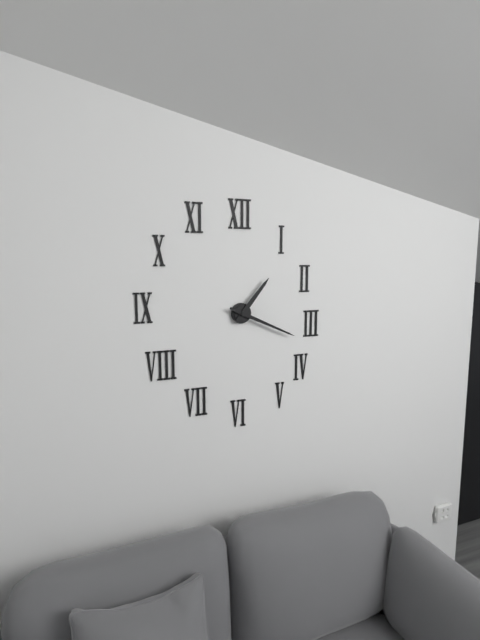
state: 1:19
